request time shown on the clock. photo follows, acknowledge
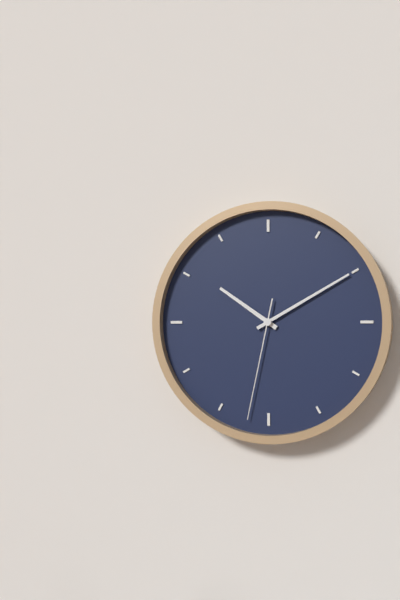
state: 10:10:32
